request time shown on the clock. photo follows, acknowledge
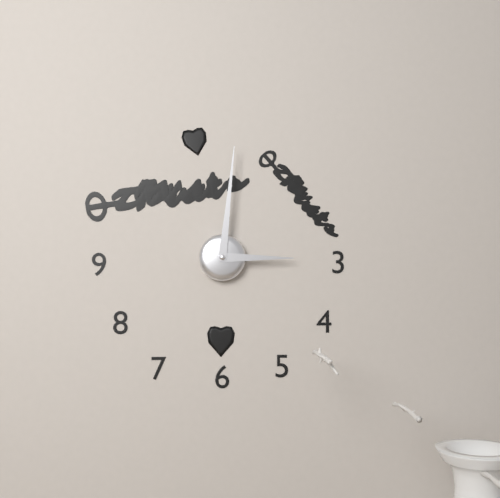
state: 3:01
